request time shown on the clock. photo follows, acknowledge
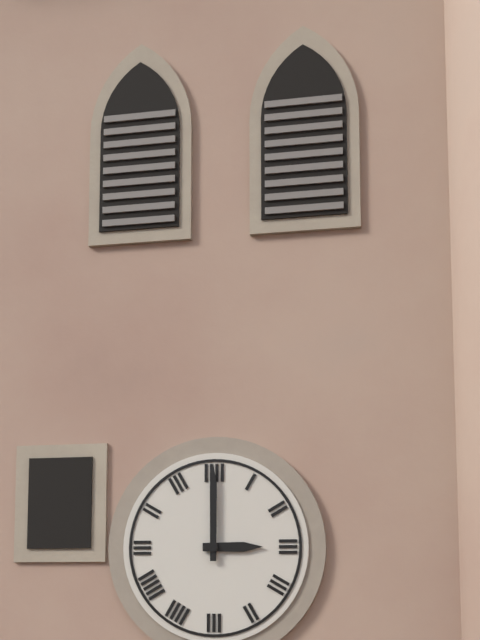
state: 3:00
